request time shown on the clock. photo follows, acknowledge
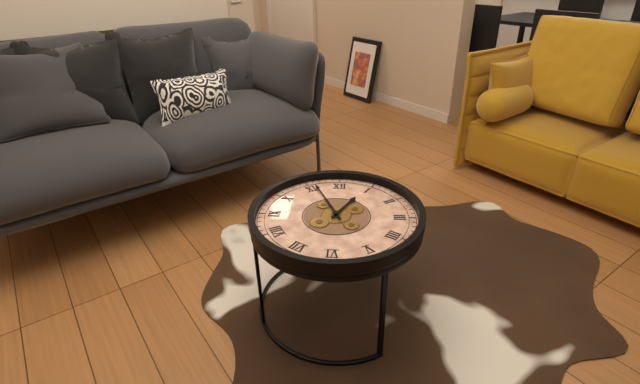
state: 12:56
